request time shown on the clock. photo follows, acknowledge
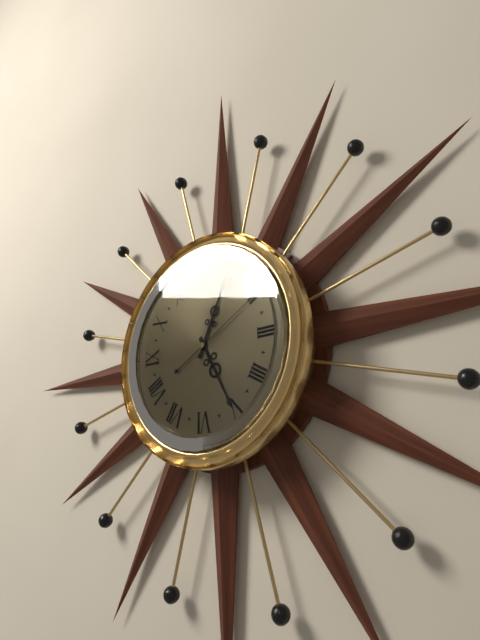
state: 5:04:10
